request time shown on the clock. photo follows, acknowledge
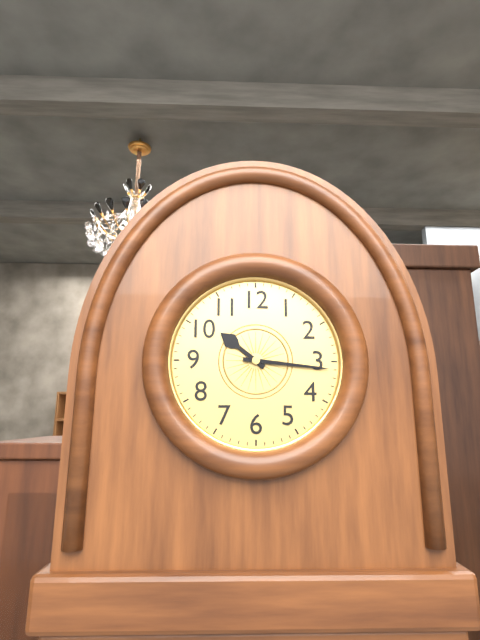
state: 10:16
